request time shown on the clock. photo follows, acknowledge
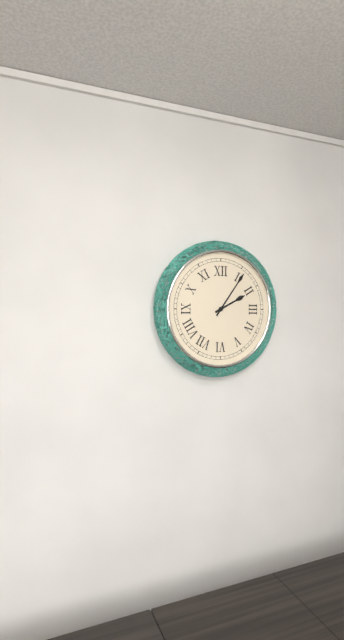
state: 2:06
